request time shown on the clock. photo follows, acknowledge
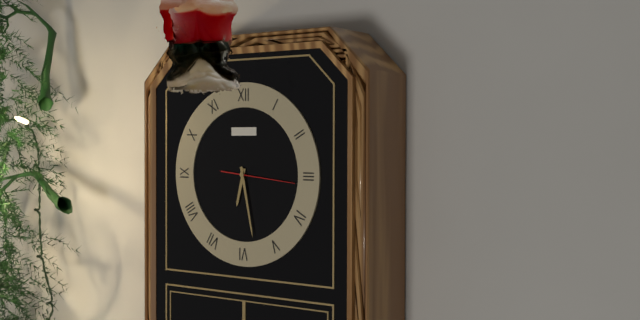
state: 6:28:16
